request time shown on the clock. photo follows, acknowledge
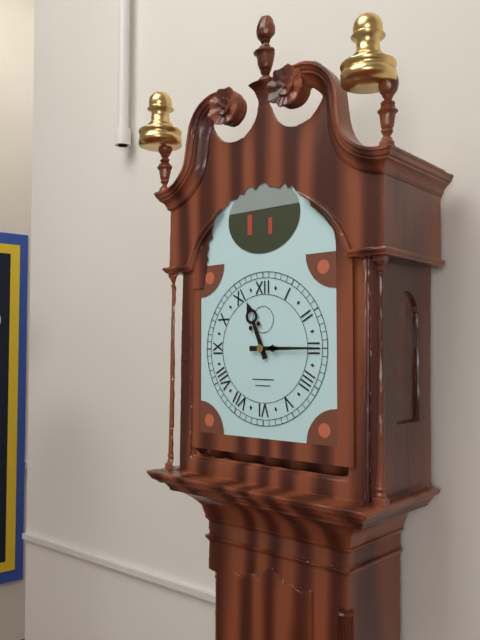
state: 11:15
